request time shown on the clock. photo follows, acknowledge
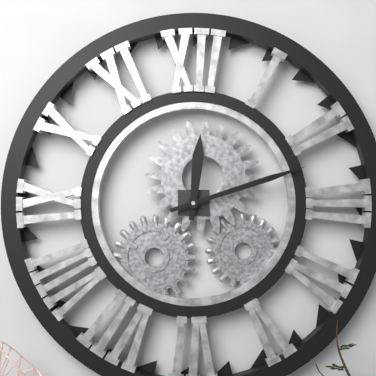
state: 12:12
